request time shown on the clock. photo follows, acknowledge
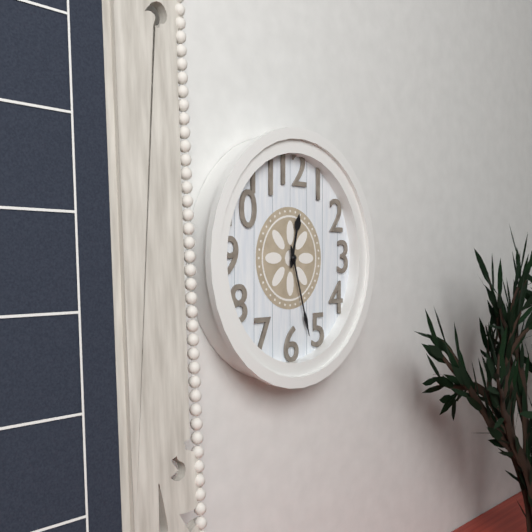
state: 12:27
